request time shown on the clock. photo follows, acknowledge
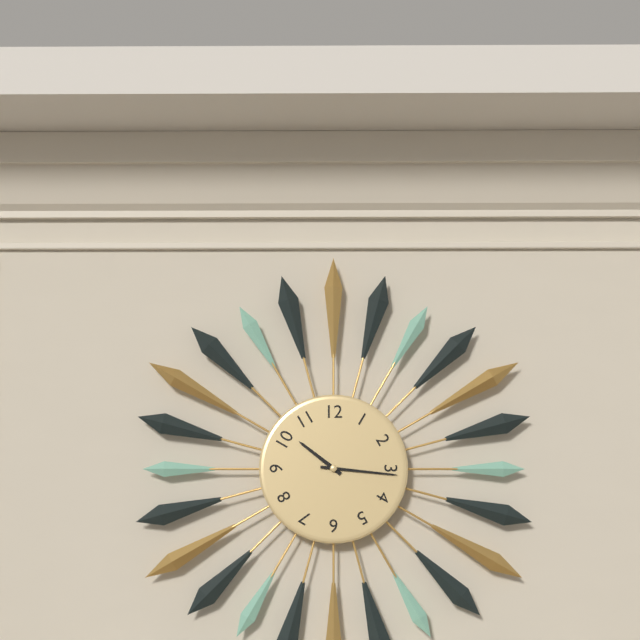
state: 10:16
